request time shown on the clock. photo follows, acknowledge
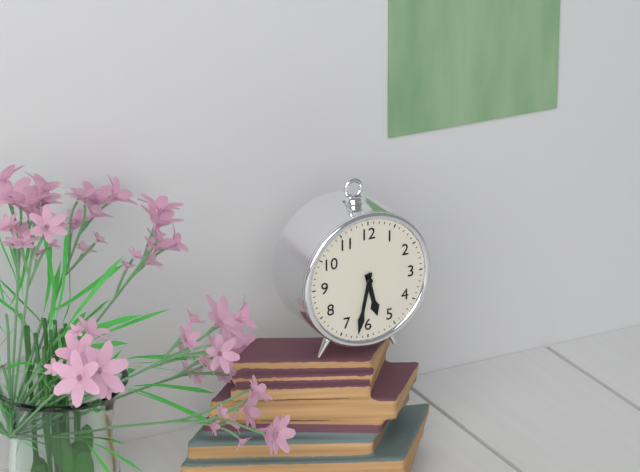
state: 5:32
